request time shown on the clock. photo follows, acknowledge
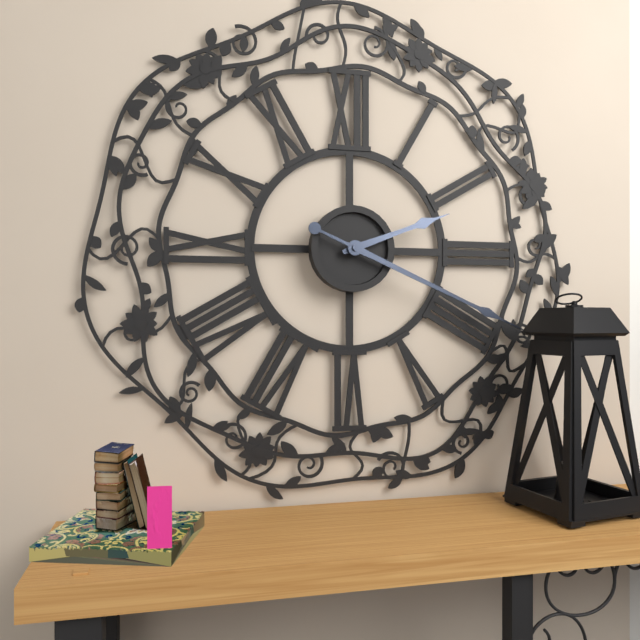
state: 2:19
